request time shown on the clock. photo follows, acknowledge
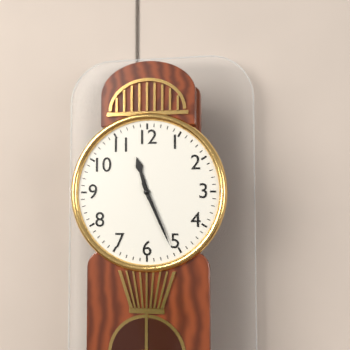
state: 11:26
